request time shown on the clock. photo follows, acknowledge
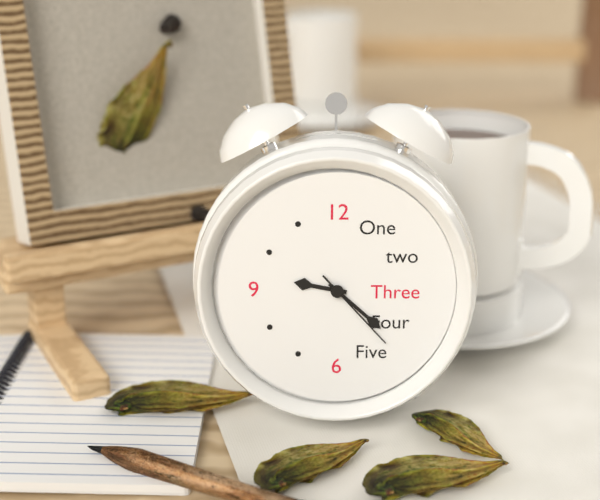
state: 9:22:23
